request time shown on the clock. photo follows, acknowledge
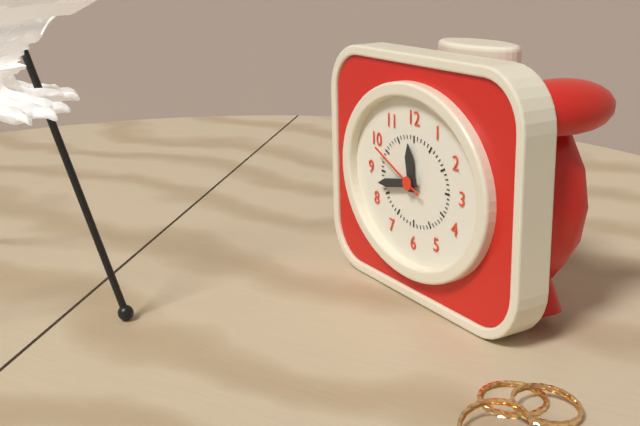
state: 11:43:49
